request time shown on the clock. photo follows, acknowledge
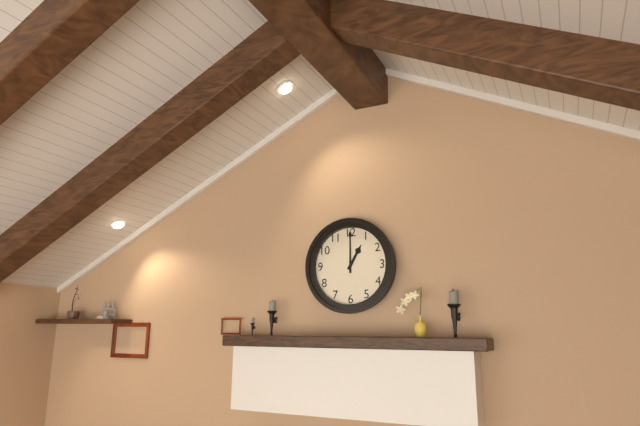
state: 1:00
